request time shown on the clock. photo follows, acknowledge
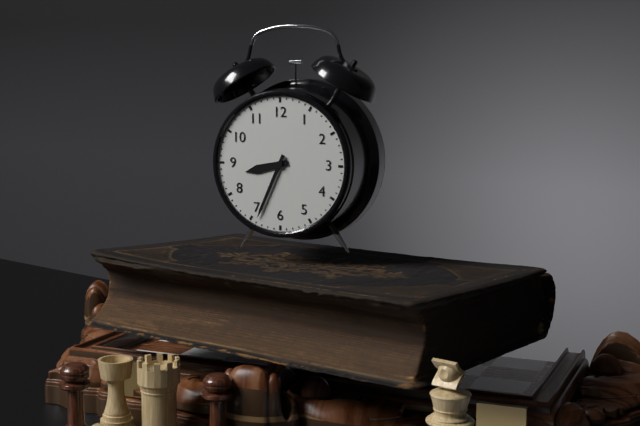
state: 8:34
